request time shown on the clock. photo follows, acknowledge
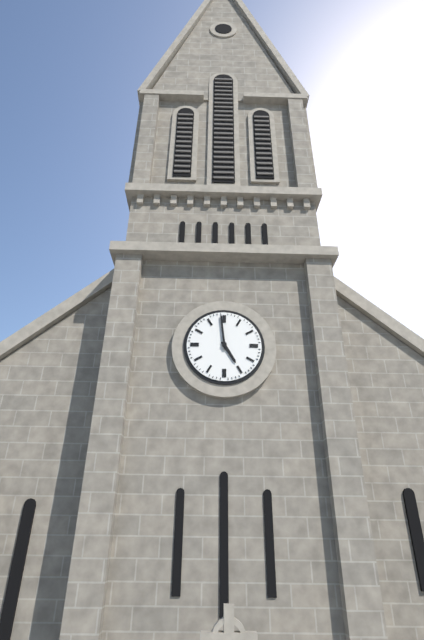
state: 4:59
